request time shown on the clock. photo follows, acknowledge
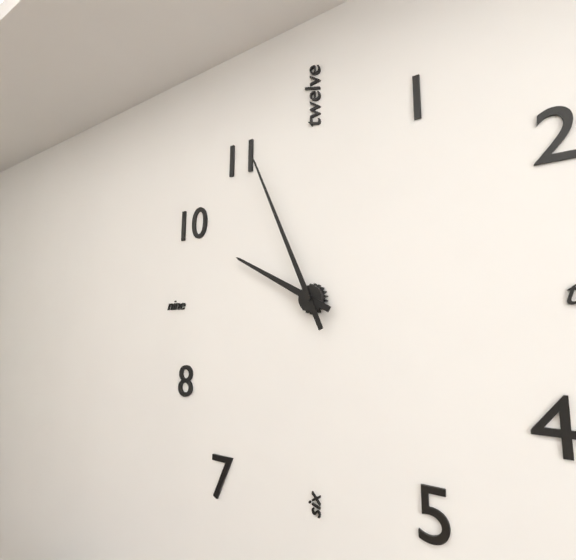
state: 9:56
